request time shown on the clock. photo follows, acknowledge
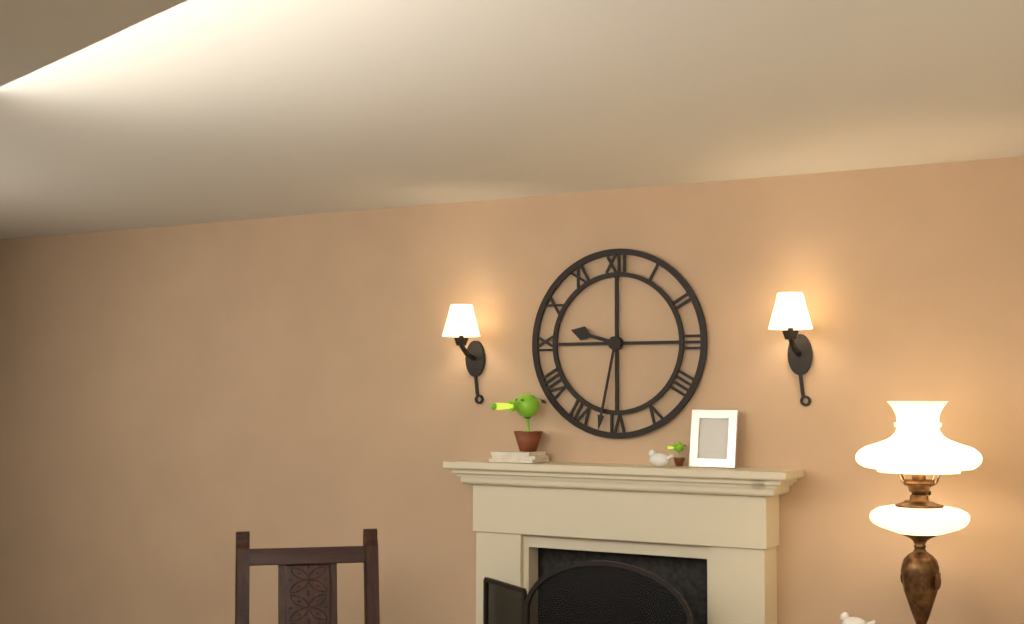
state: 9:32
